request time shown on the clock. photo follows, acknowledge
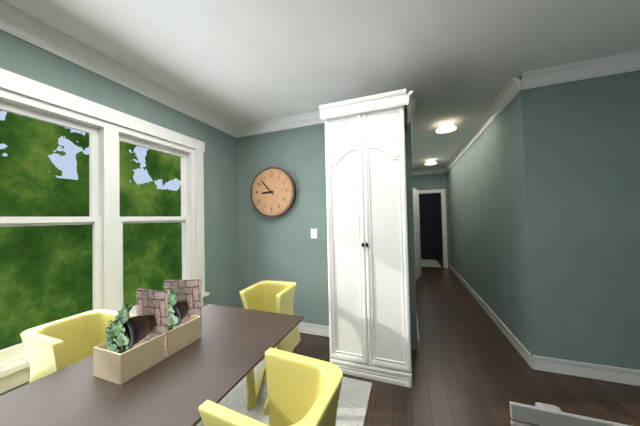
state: 8:53
